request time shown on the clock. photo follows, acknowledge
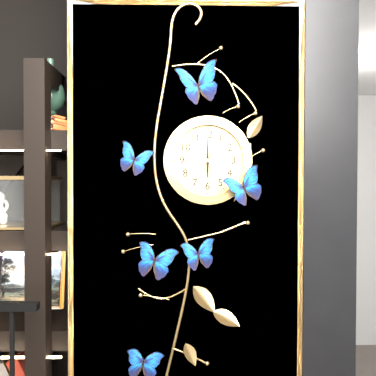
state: 6:00
